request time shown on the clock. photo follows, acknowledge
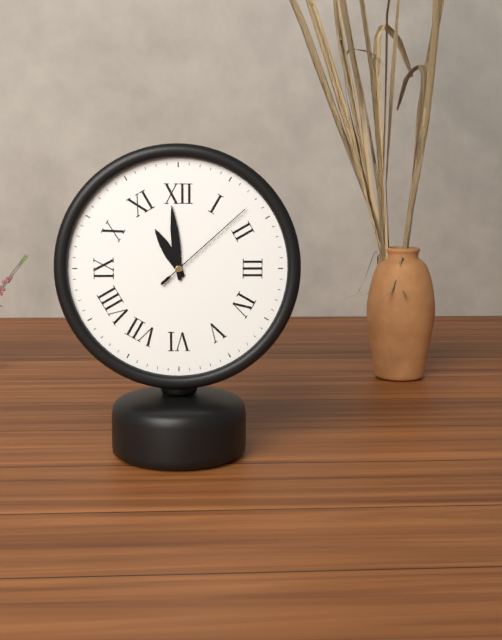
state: 10:59:08
